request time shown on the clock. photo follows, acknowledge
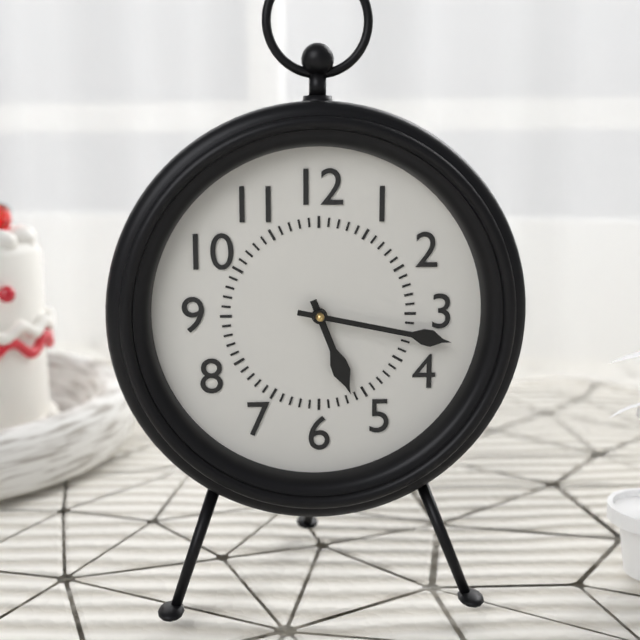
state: 5:17
